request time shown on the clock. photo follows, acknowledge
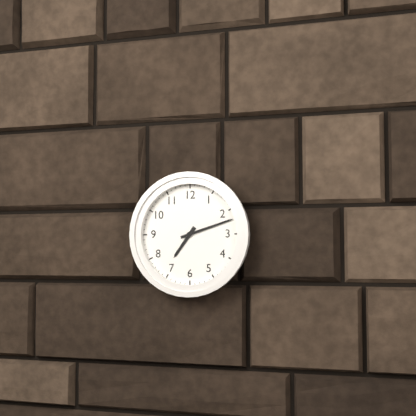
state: 7:12
